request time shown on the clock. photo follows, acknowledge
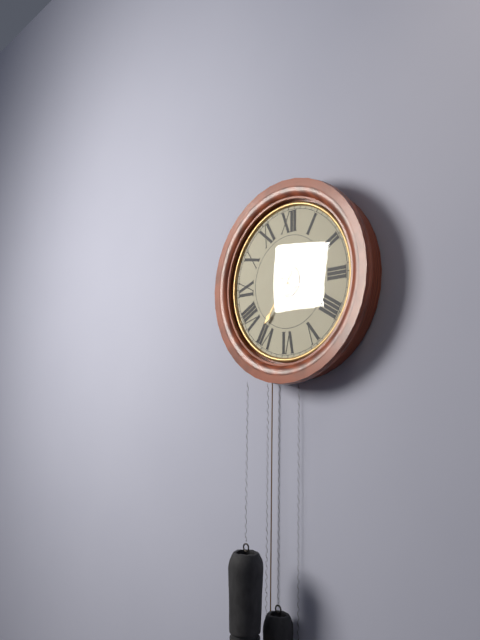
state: 3:36
